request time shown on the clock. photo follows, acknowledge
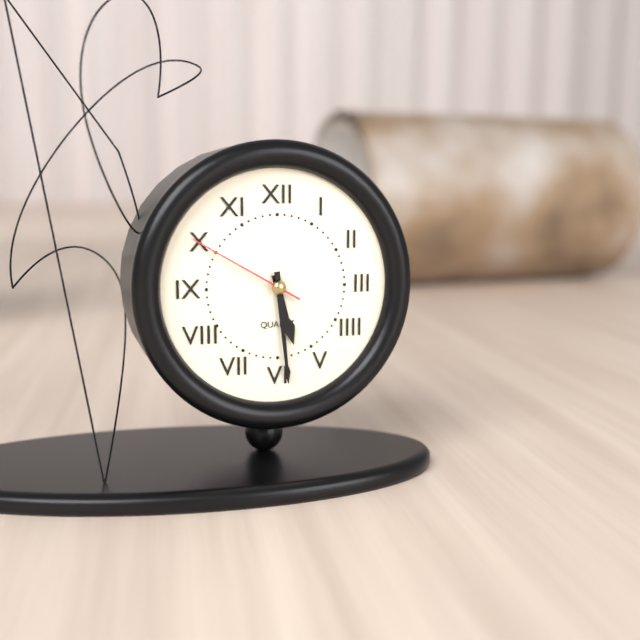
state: 5:29:50
